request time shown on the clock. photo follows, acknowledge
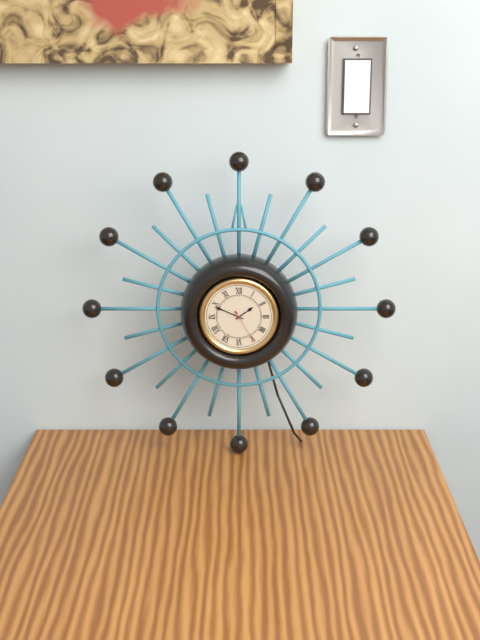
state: 1:49
